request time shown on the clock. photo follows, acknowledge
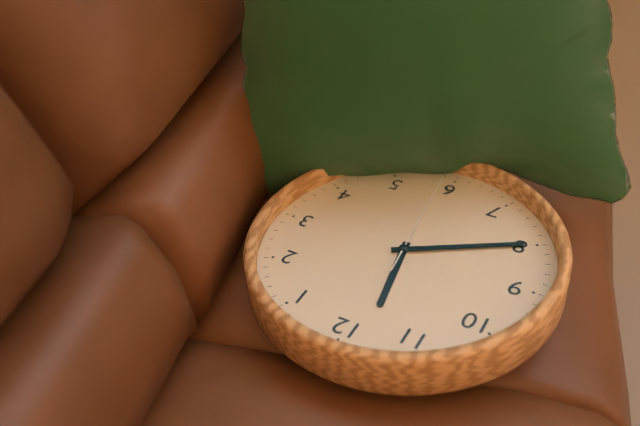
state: 11:40:29
